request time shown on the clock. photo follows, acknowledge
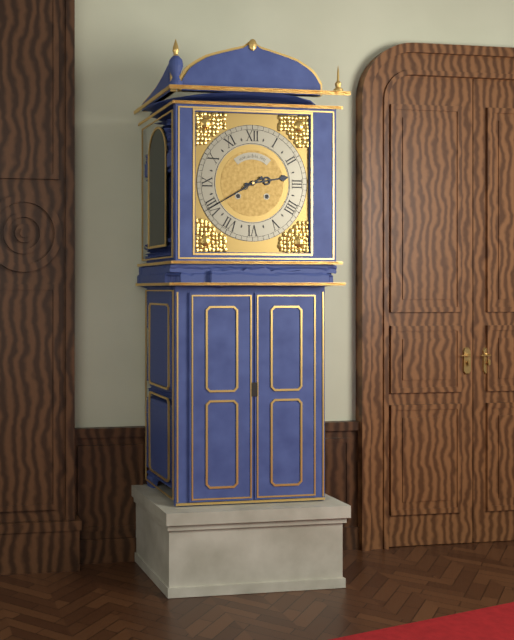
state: 2:40
